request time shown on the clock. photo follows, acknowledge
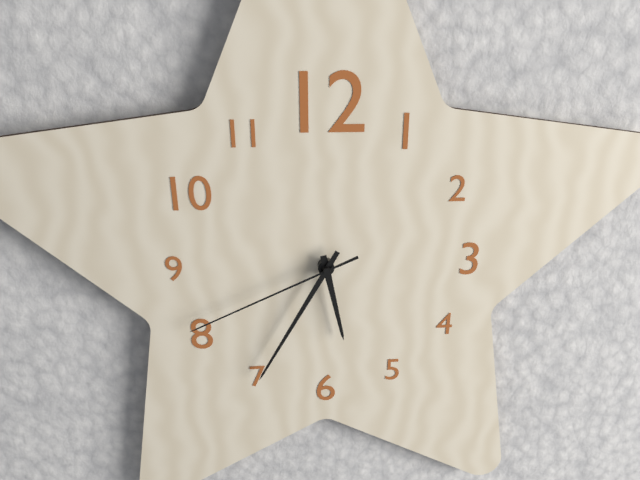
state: 5:35:41
